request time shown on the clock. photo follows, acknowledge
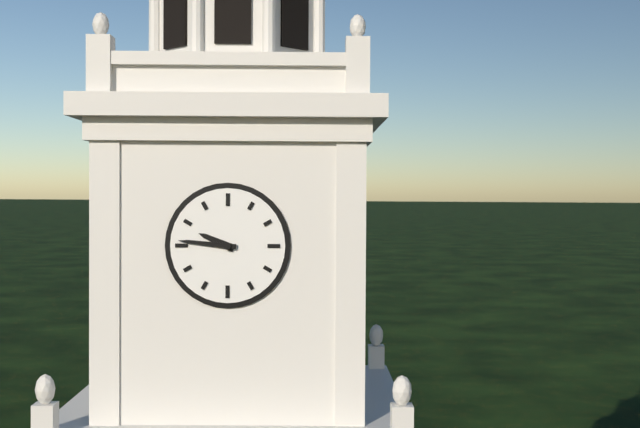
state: 9:46
